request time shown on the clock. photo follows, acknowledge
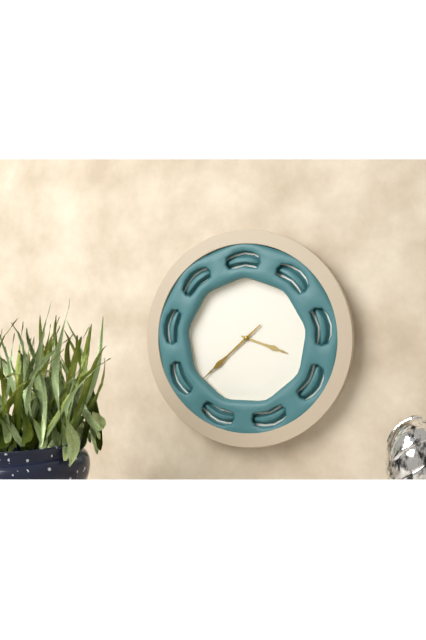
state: 3:38
